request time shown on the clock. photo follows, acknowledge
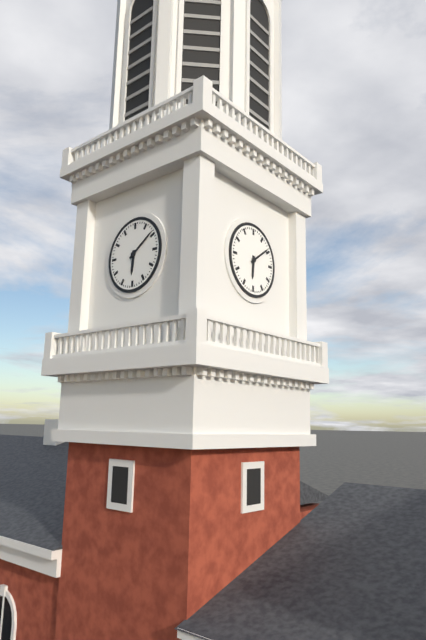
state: 6:09
